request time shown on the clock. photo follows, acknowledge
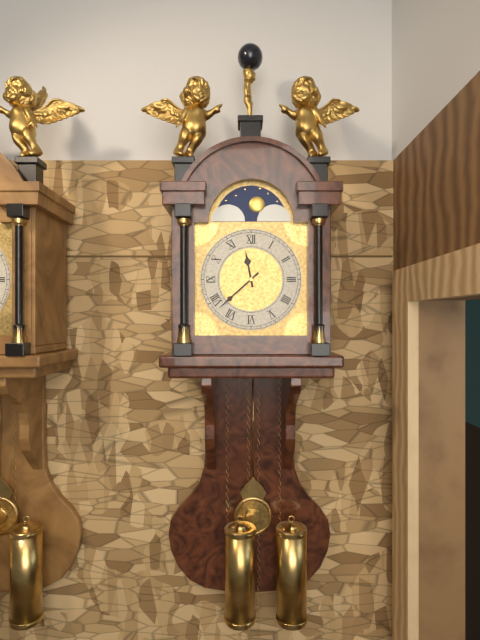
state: 11:38
